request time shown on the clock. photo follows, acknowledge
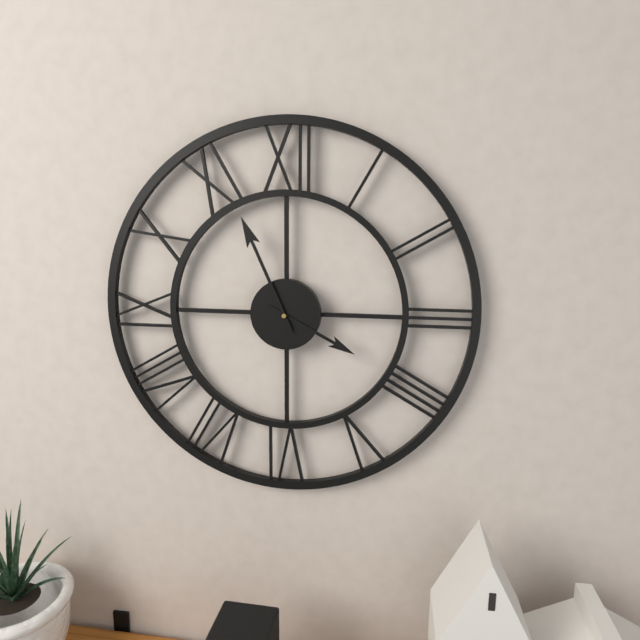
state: 3:56
